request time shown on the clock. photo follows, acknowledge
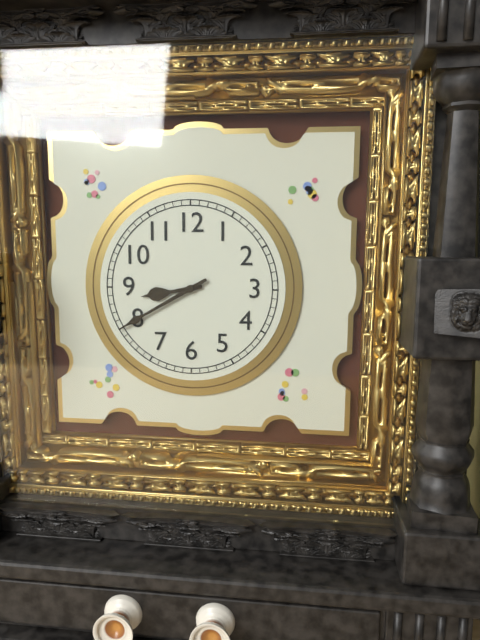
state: 8:40
